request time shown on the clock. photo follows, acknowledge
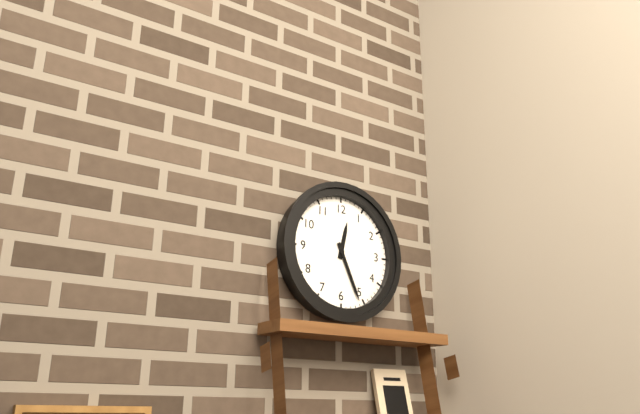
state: 12:26
